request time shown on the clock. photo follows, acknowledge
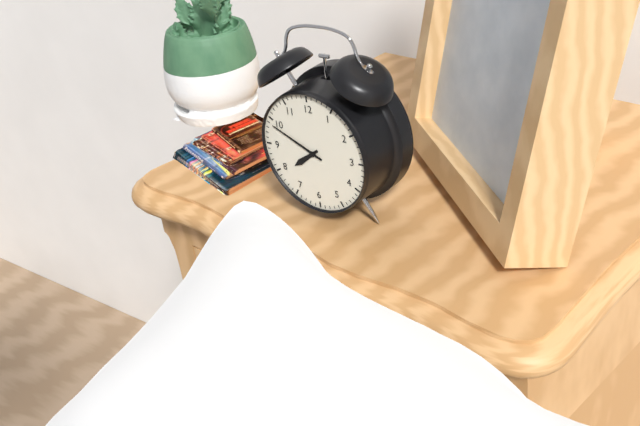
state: 7:49
